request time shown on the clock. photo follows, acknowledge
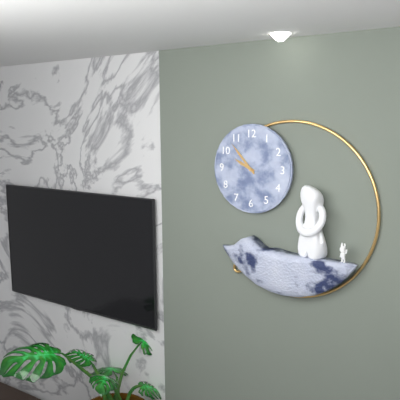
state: 9:53
